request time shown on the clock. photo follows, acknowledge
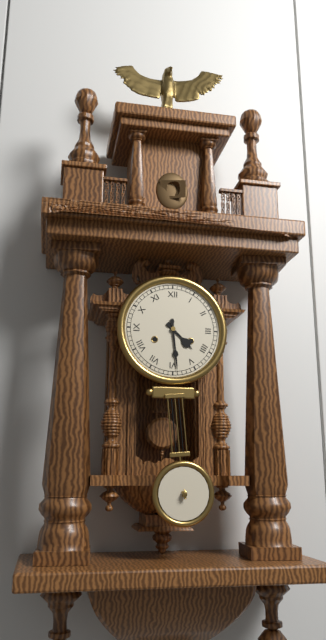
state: 4:29
